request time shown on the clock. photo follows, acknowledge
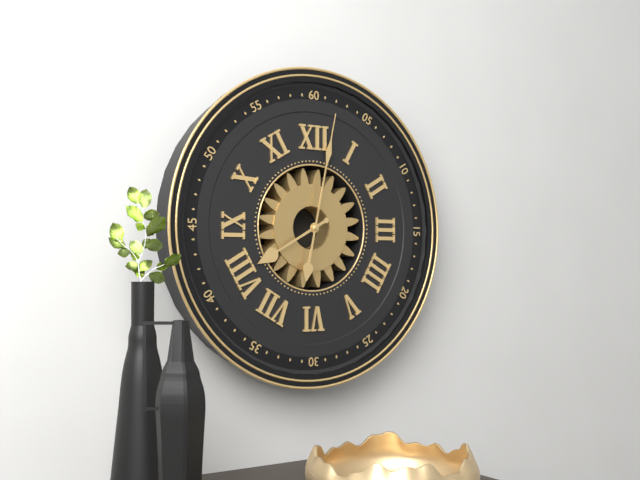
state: 8:02
